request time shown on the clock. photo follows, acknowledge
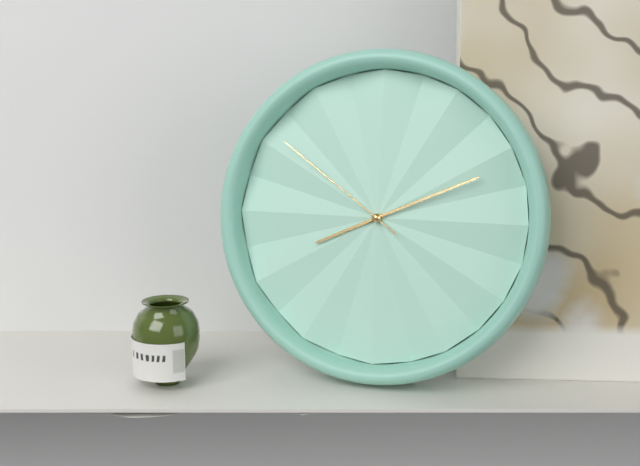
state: 8:11:51
